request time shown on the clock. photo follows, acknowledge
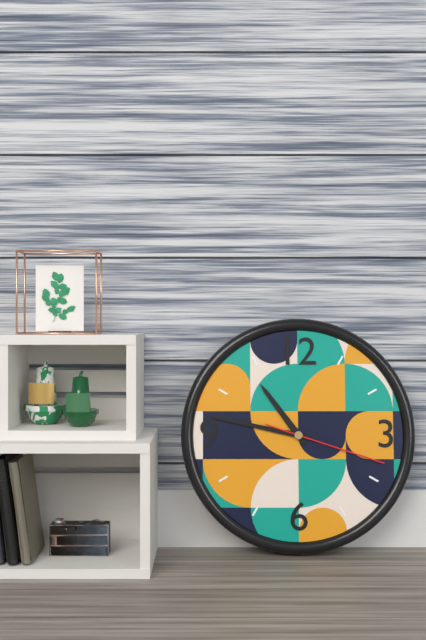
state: 10:47:18
